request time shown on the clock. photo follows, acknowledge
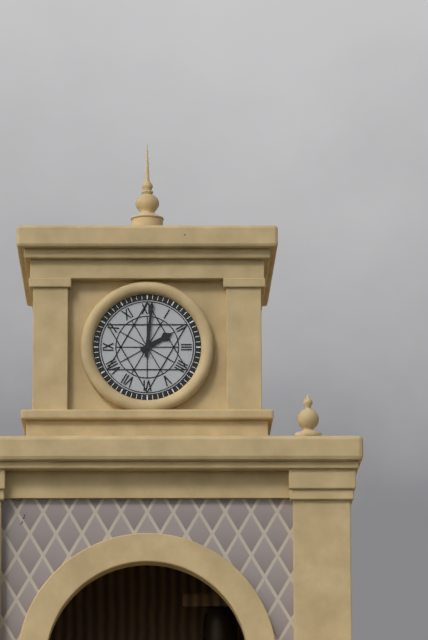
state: 2:01
